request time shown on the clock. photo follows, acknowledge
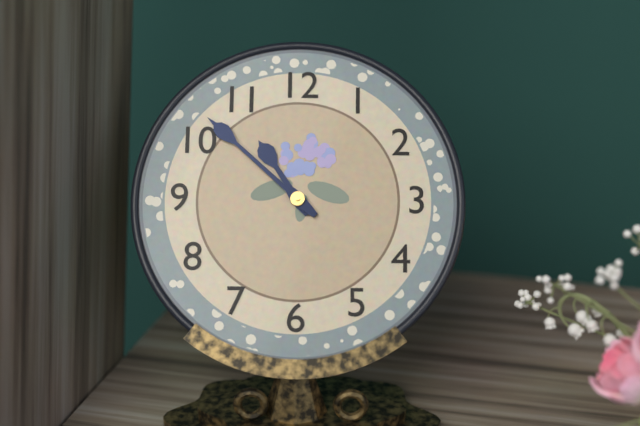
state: 10:52
